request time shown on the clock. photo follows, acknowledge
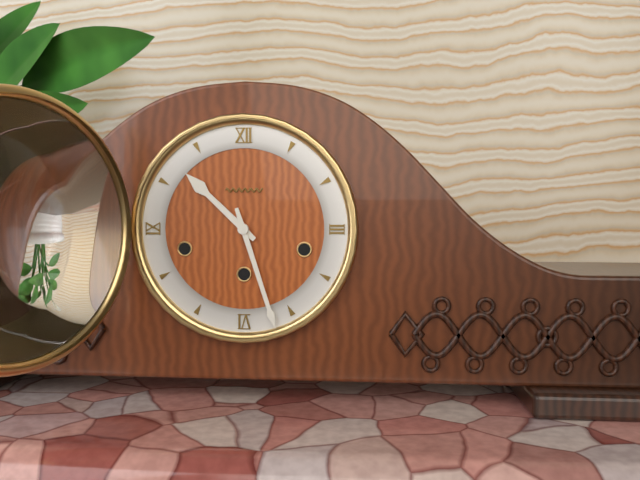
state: 10:27
